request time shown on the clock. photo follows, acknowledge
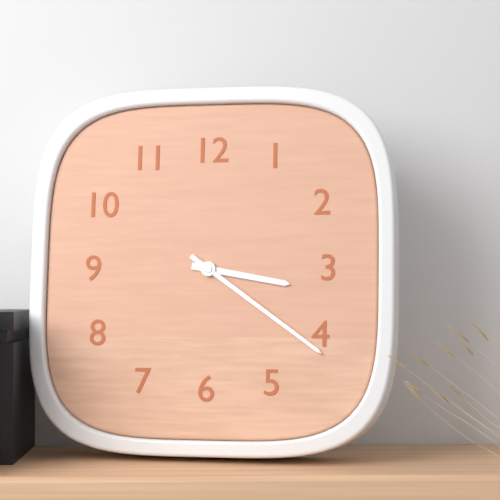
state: 3:21
